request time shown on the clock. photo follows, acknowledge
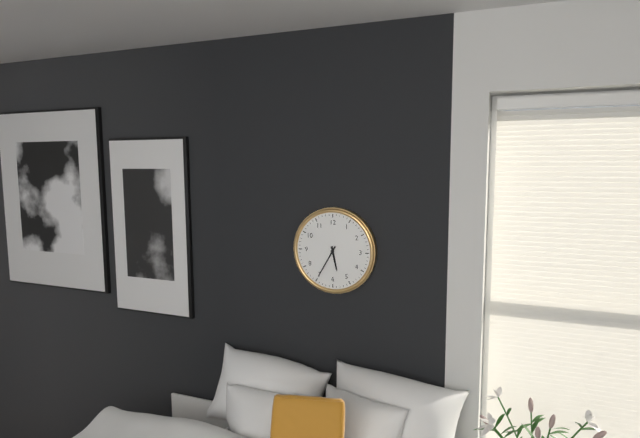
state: 5:35
